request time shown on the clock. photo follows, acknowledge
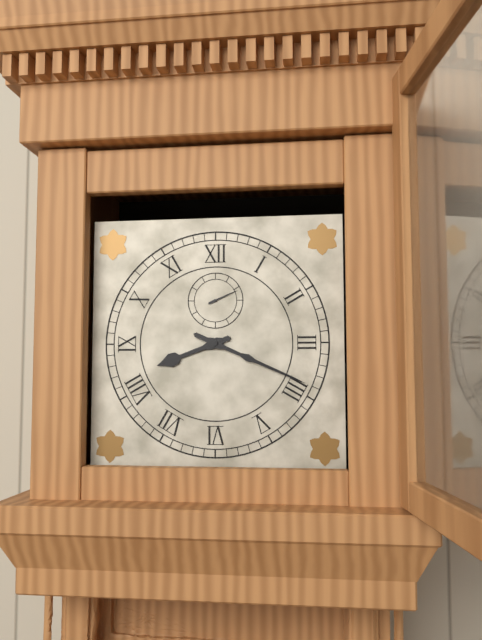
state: 8:19
